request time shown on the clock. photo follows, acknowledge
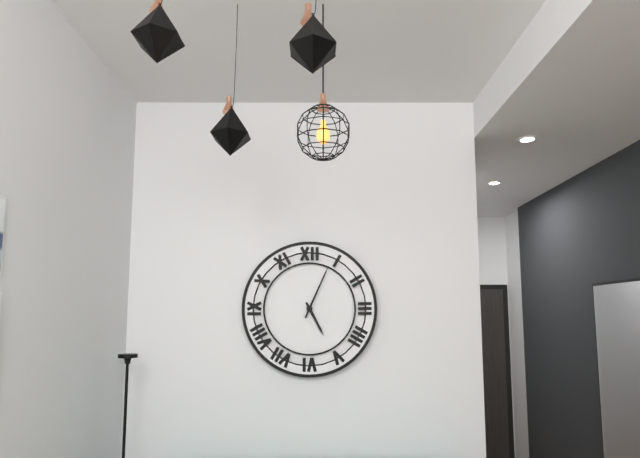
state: 5:04
